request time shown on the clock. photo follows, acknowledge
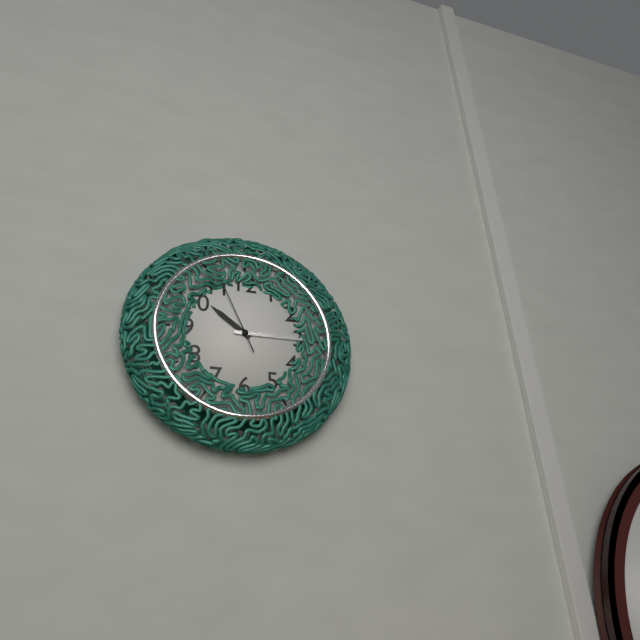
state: 10:15:56
